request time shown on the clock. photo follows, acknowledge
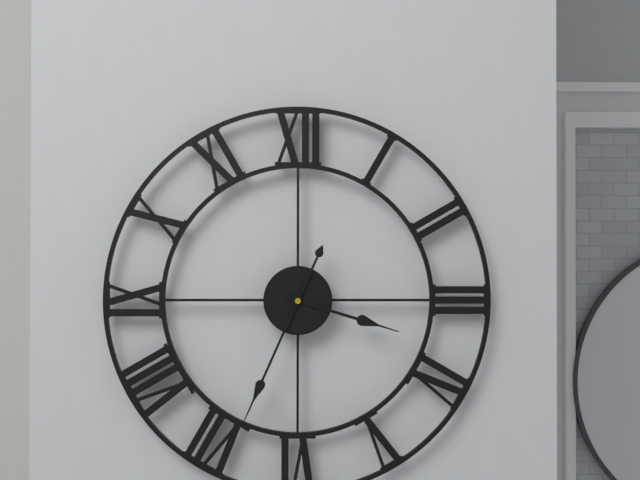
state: 3:34
